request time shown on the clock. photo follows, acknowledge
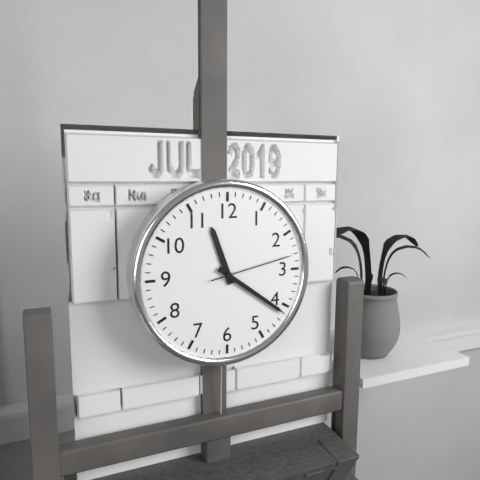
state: 11:21:13
